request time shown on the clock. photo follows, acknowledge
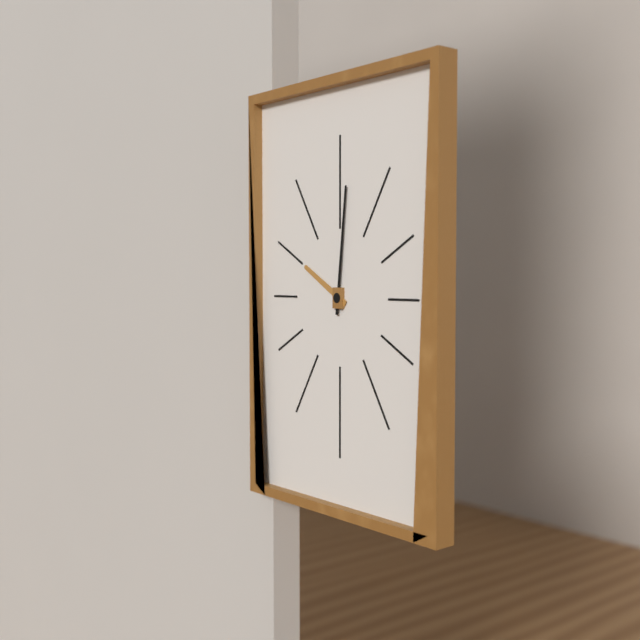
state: 10:01
